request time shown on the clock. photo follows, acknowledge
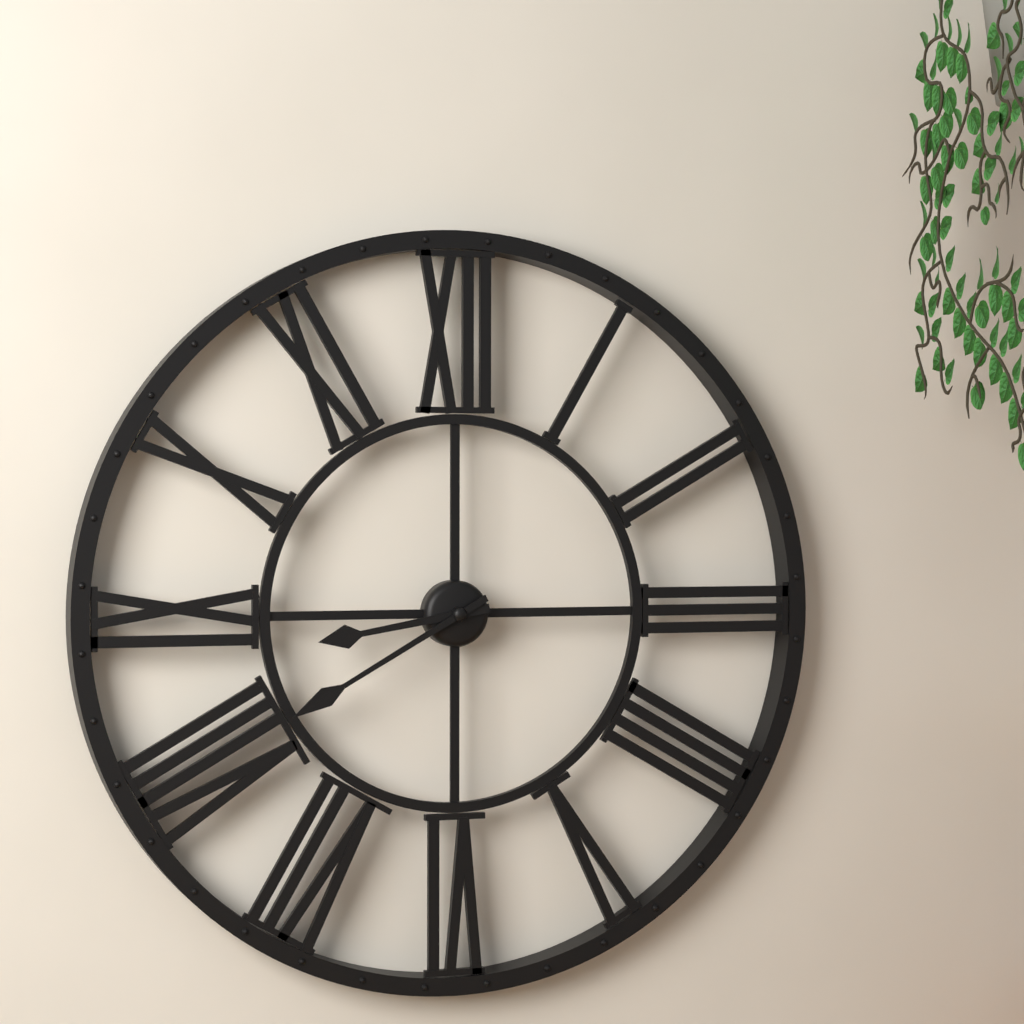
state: 8:40
